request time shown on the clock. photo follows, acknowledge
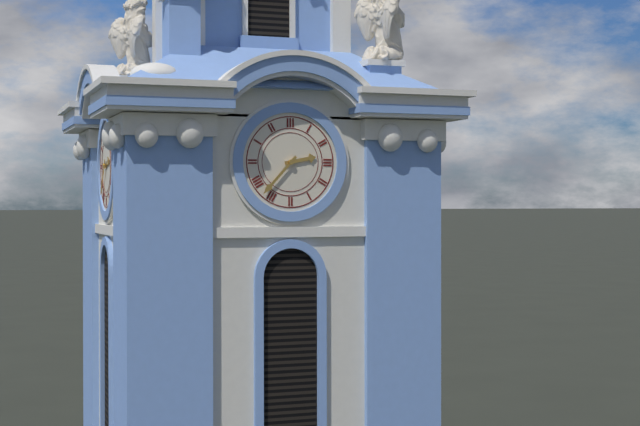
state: 2:37
